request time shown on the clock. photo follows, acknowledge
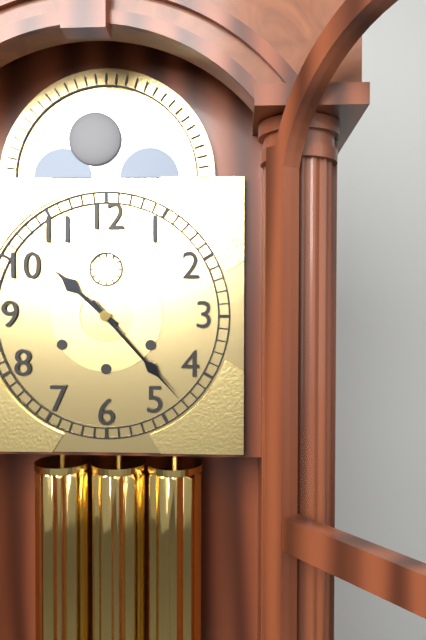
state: 10:23
